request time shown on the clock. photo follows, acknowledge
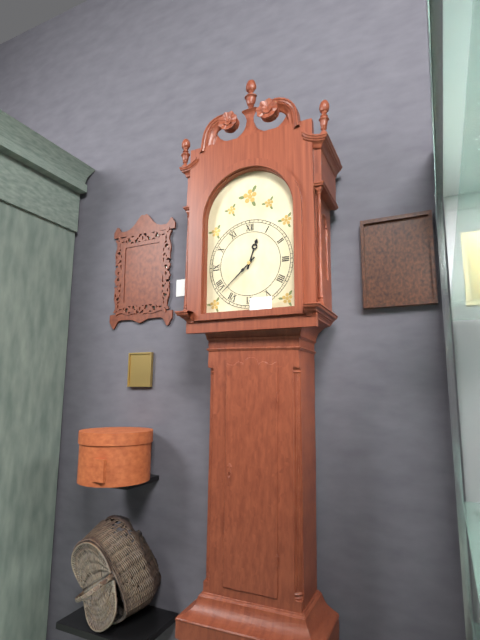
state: 12:38
